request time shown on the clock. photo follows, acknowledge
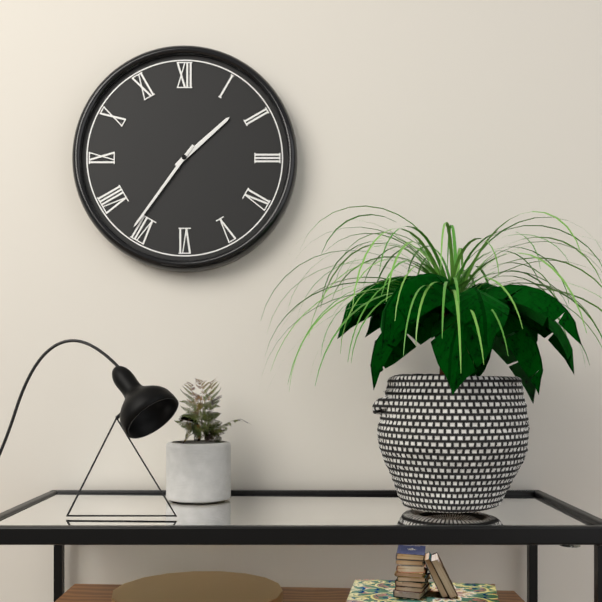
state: 1:36
